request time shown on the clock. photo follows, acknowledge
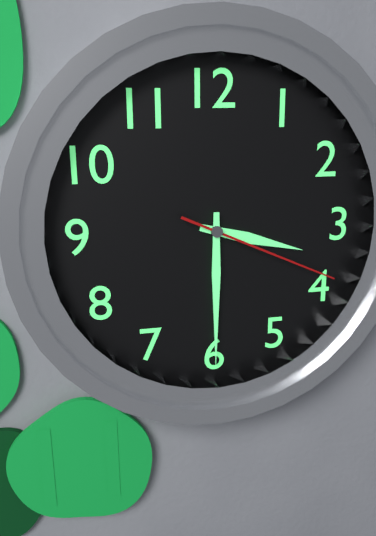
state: 3:30:19
